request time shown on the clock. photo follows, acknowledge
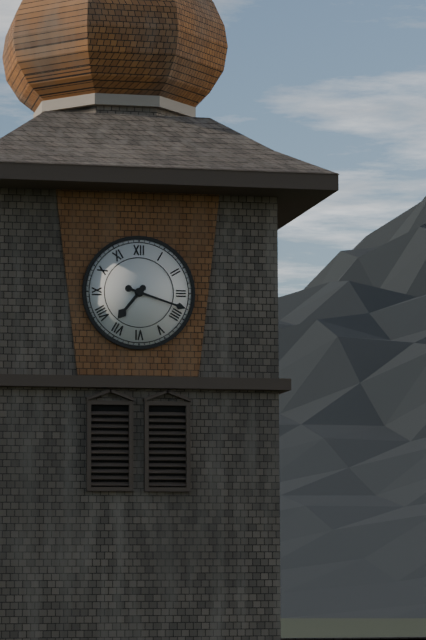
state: 7:18
